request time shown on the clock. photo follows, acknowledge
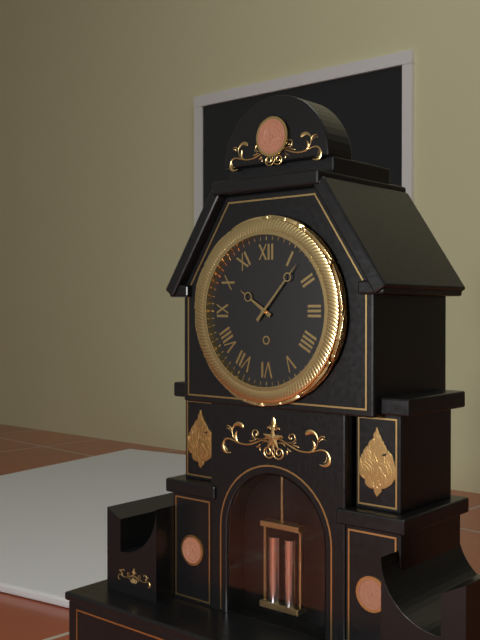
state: 10:07
